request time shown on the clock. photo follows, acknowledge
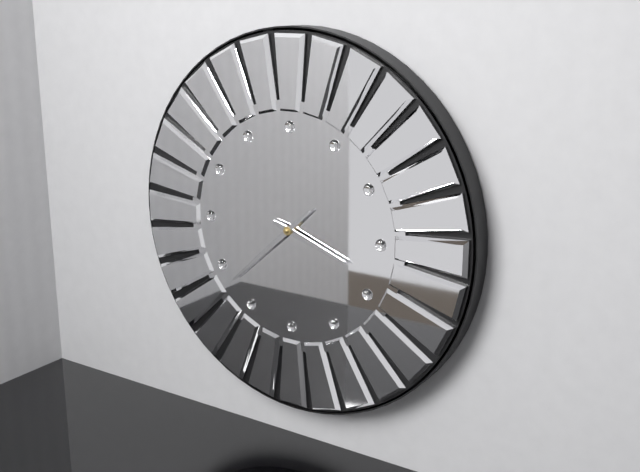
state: 3:38
